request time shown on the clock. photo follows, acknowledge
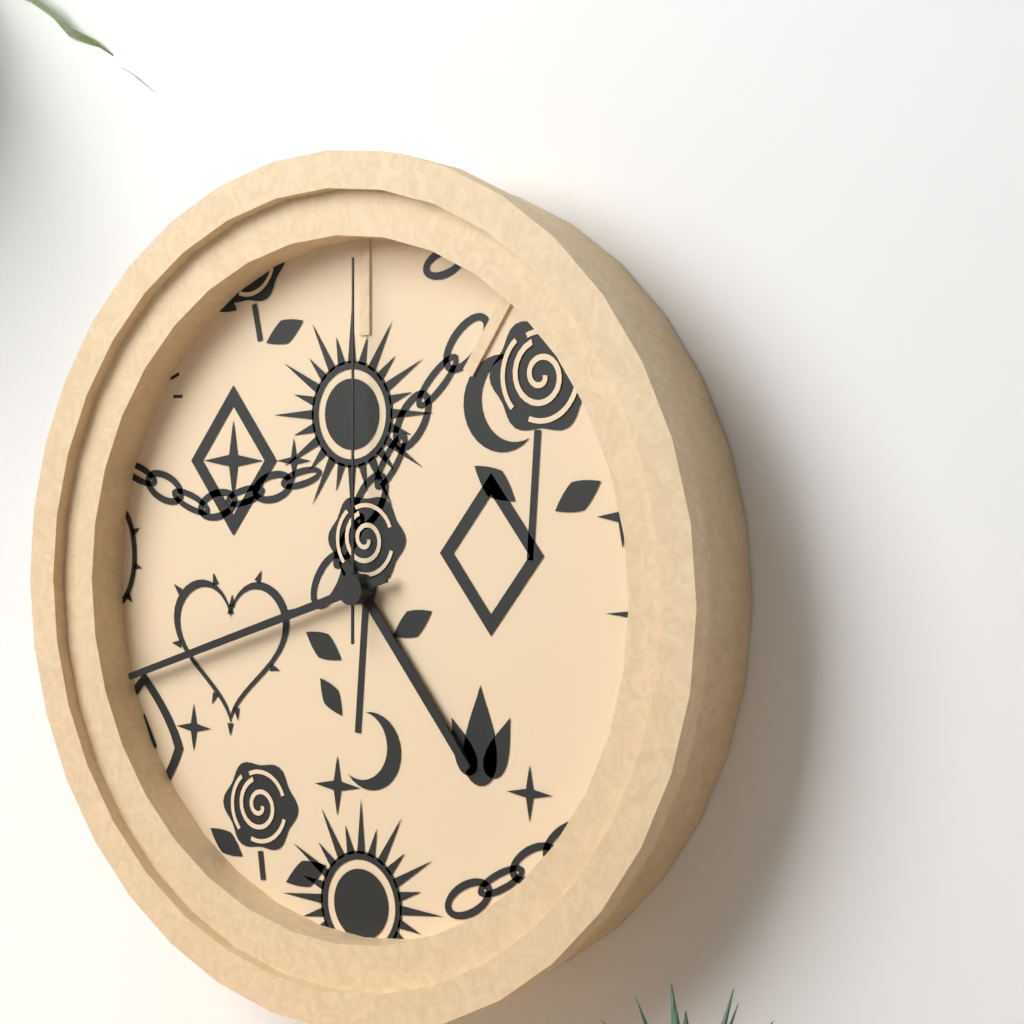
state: 4:42:00
